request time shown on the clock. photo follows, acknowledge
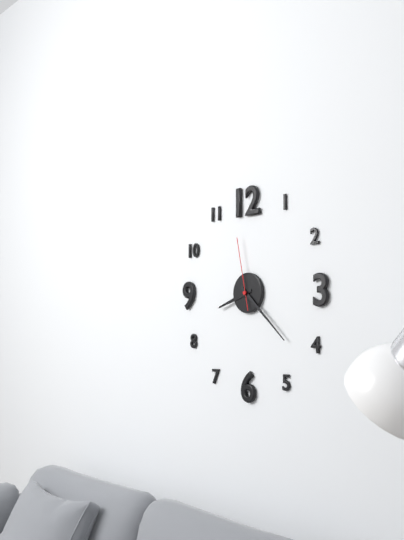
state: 8:22:58
